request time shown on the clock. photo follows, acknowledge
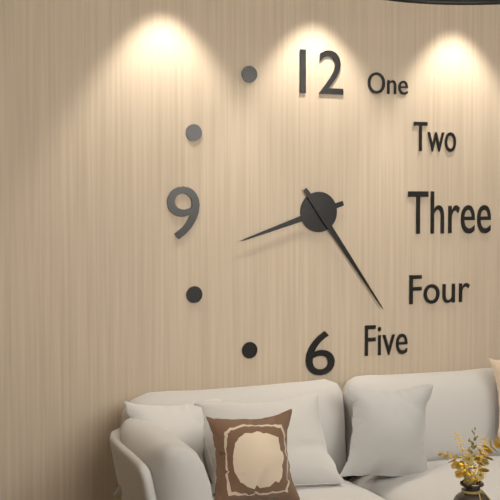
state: 8:24
